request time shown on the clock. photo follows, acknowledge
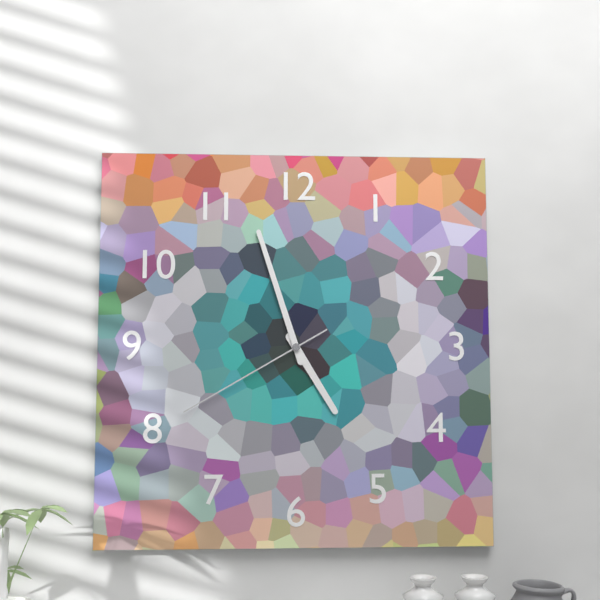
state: 4:57:40
